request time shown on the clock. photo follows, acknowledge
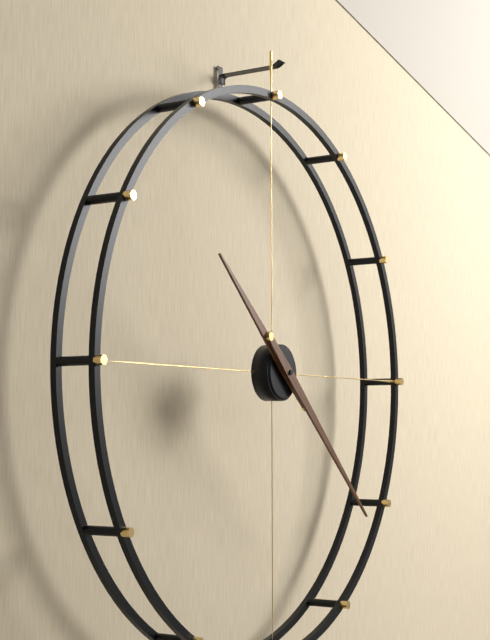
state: 10:22
